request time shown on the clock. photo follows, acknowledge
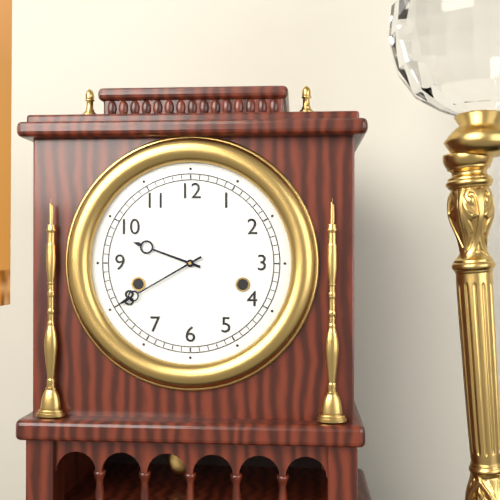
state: 9:40
